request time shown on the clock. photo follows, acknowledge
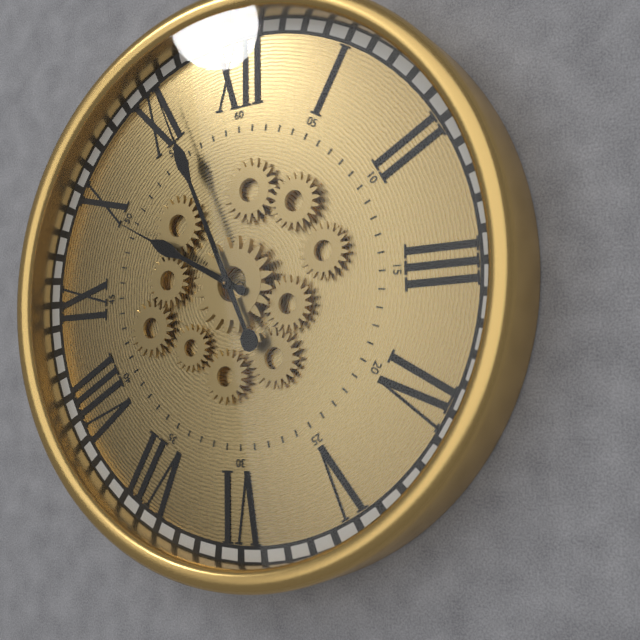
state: 9:56
